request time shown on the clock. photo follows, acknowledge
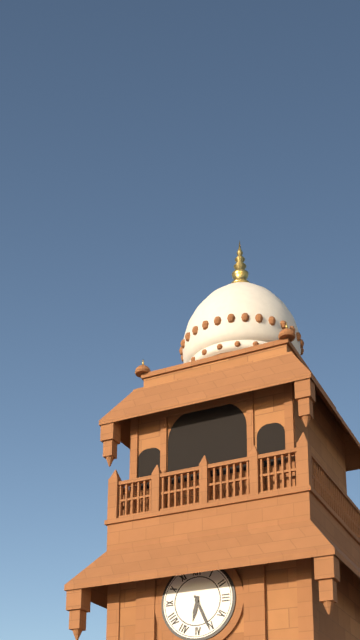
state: 6:26
